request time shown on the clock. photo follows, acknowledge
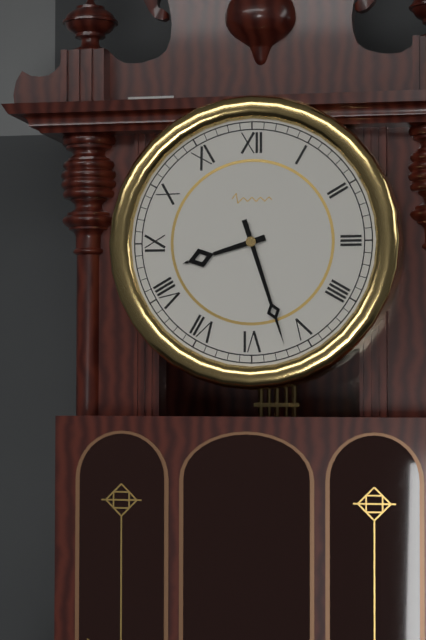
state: 8:27
